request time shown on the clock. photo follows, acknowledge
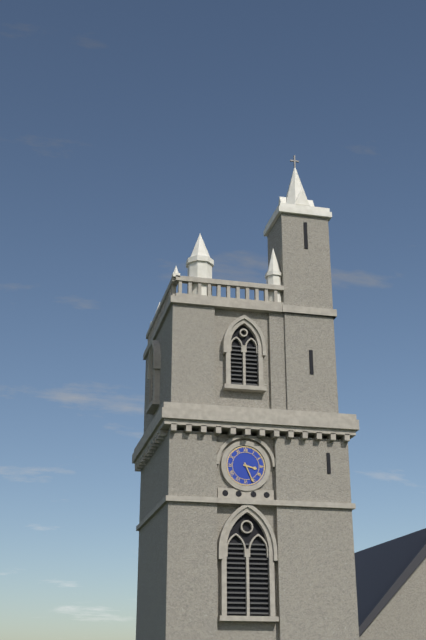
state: 3:26
